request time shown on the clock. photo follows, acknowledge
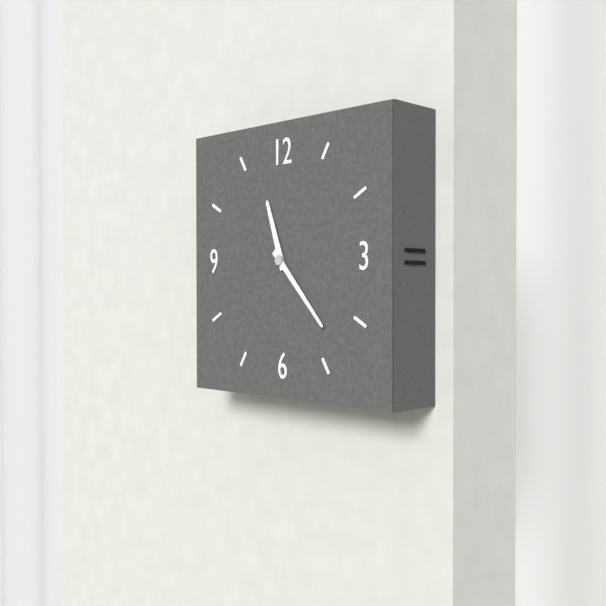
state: 11:23
